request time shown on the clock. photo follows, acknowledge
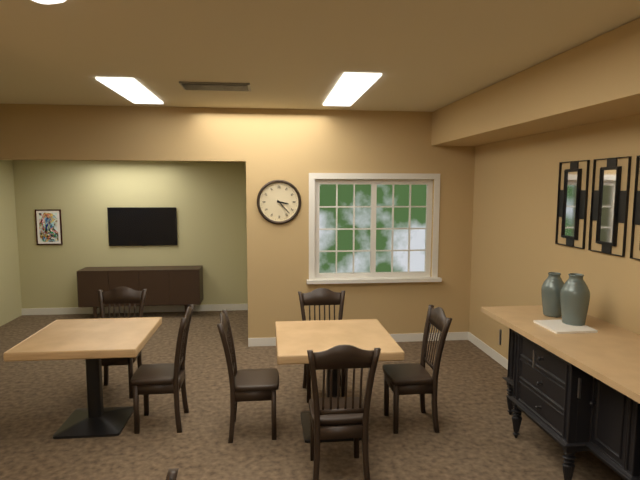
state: 3:23
